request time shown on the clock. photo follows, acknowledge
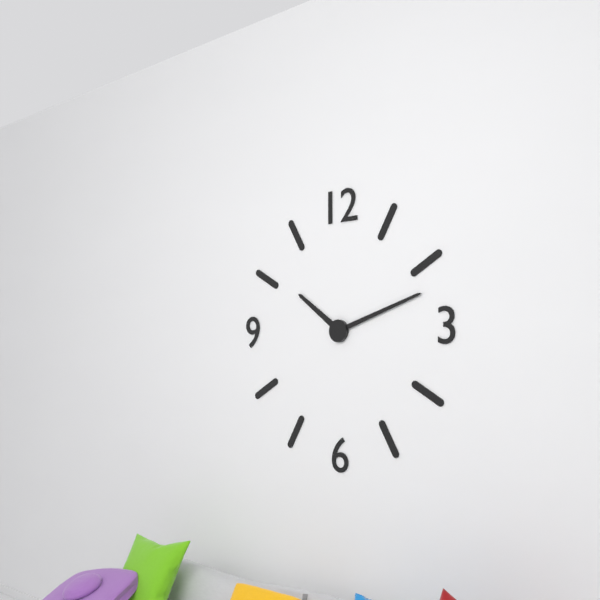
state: 10:12
